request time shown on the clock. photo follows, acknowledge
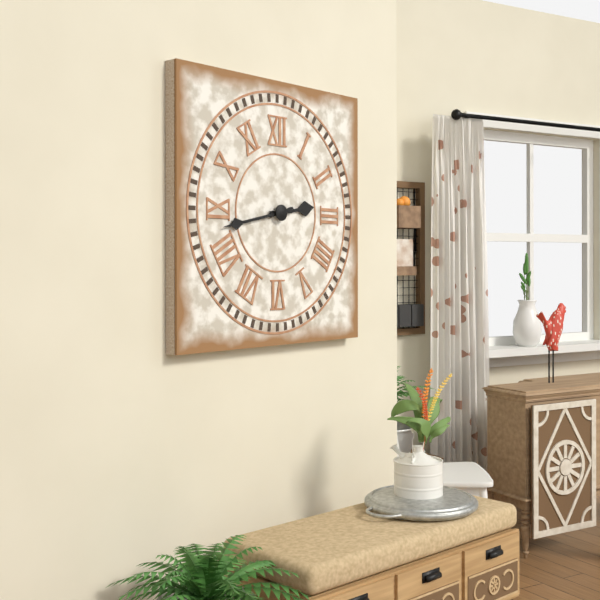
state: 2:43
